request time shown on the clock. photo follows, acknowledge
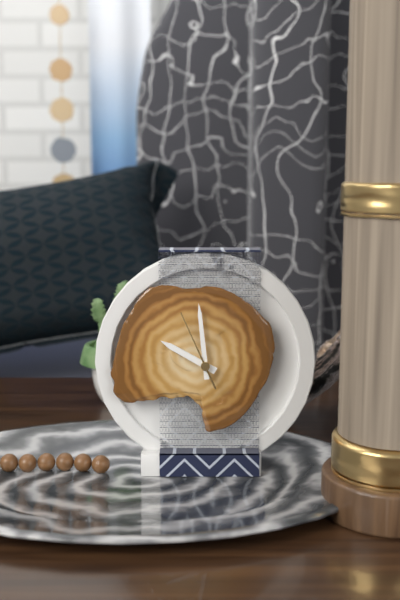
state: 9:59:56
